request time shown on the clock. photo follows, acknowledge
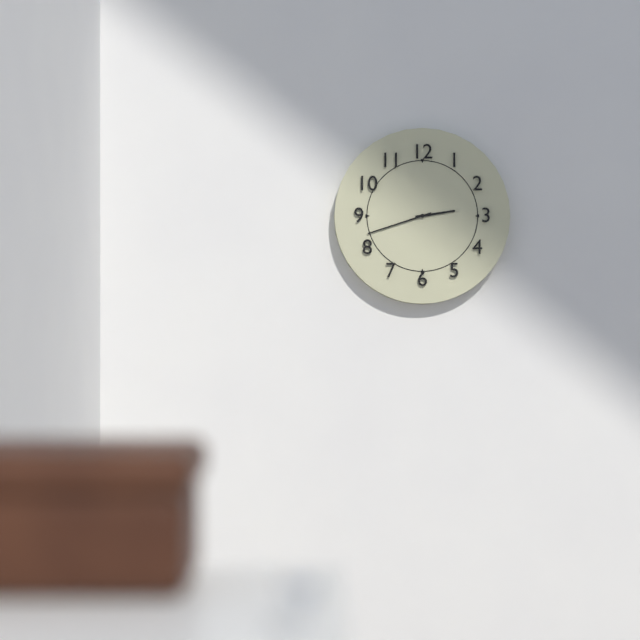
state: 2:42
